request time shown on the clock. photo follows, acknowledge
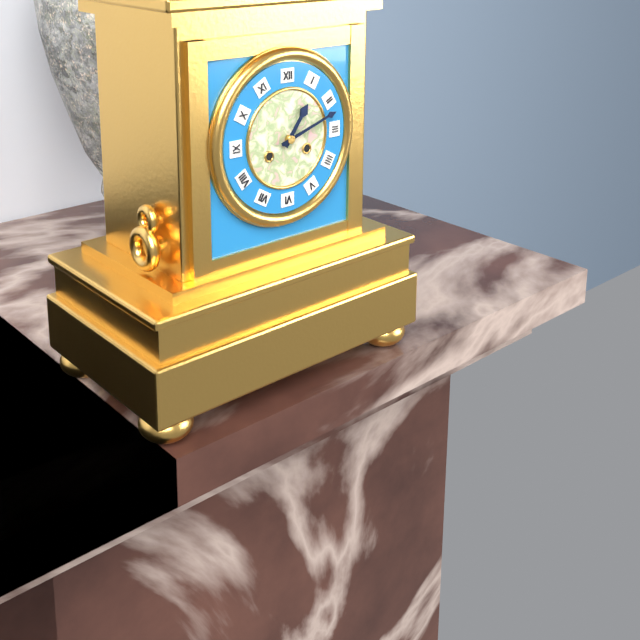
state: 1:12
